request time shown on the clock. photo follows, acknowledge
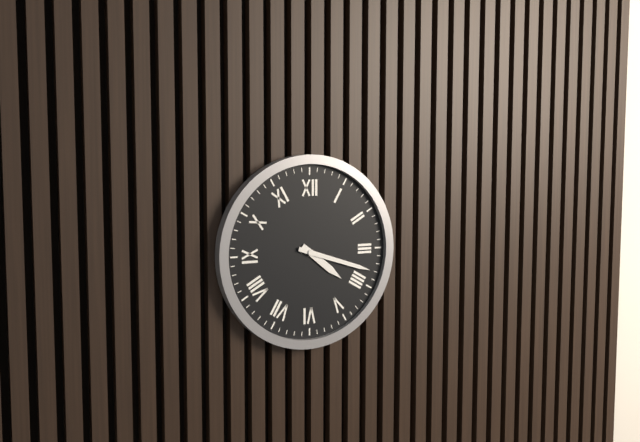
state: 4:18
